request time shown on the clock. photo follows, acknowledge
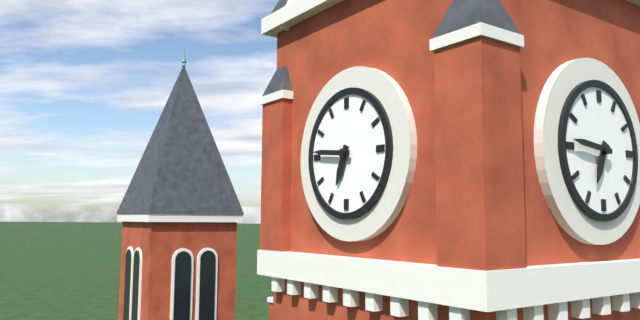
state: 6:46
